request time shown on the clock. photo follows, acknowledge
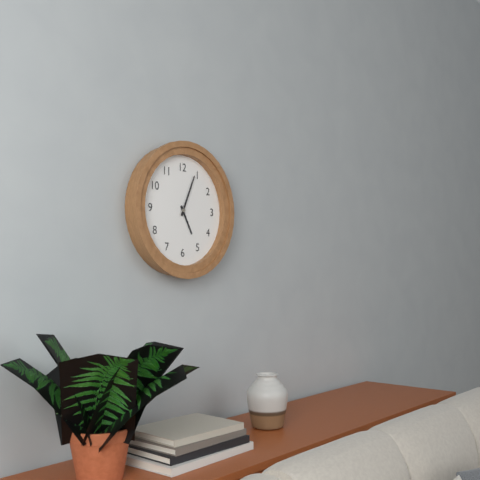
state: 5:04
